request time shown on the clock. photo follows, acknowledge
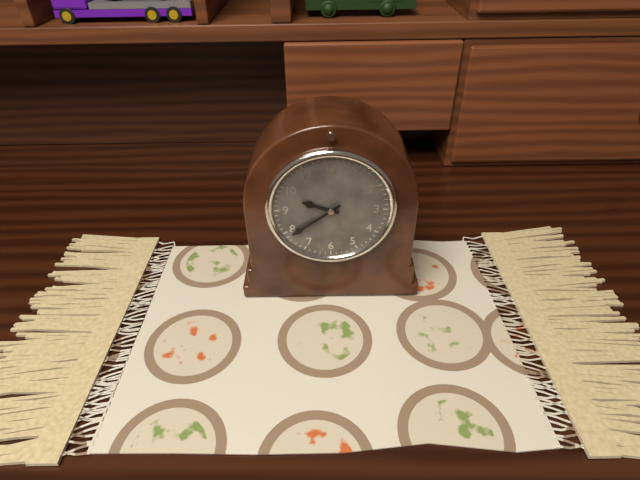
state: 9:39
